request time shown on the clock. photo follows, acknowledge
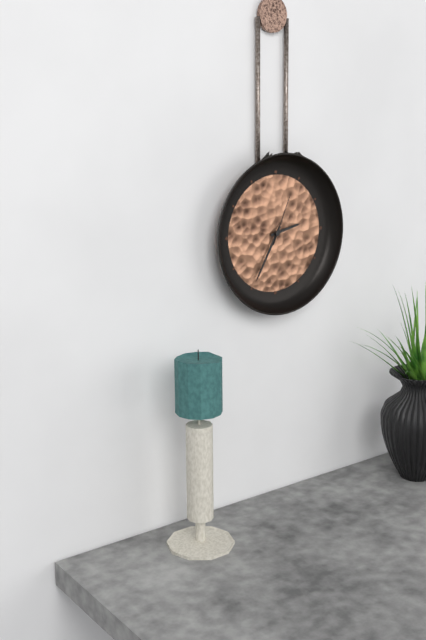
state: 2:35:04
